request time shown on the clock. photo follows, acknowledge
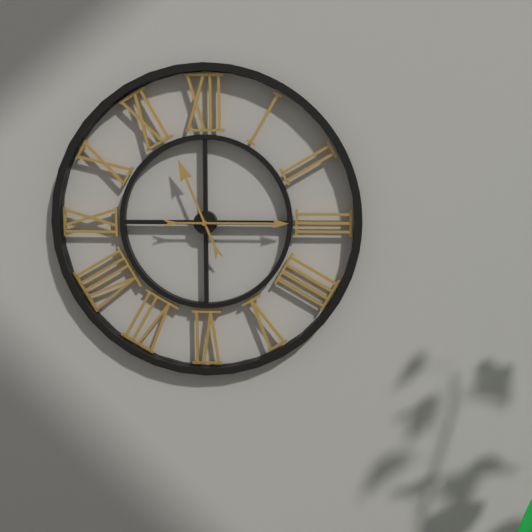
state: 11:15
